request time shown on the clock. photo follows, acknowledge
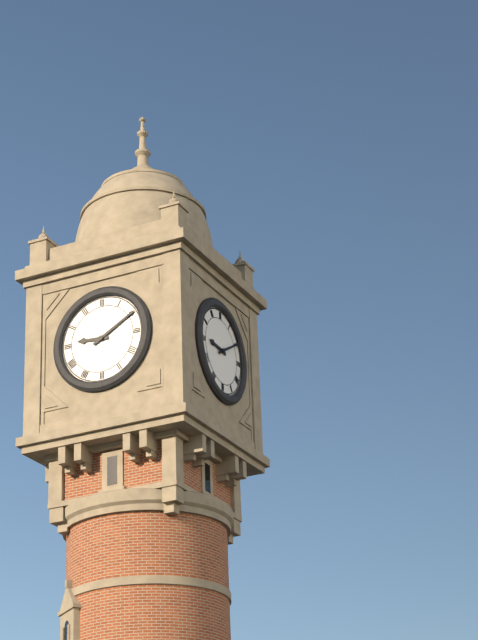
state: 9:10
